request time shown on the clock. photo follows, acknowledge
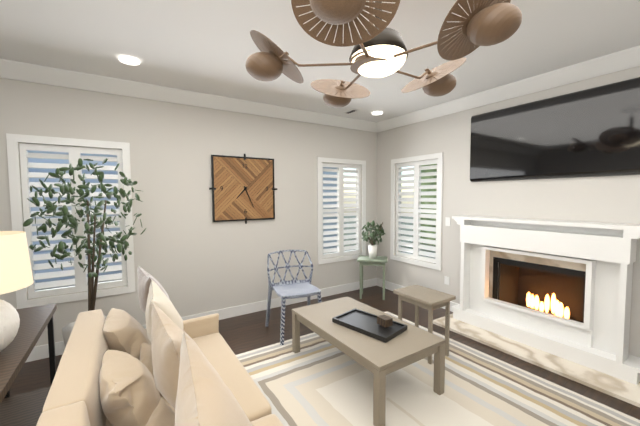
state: 7:26
